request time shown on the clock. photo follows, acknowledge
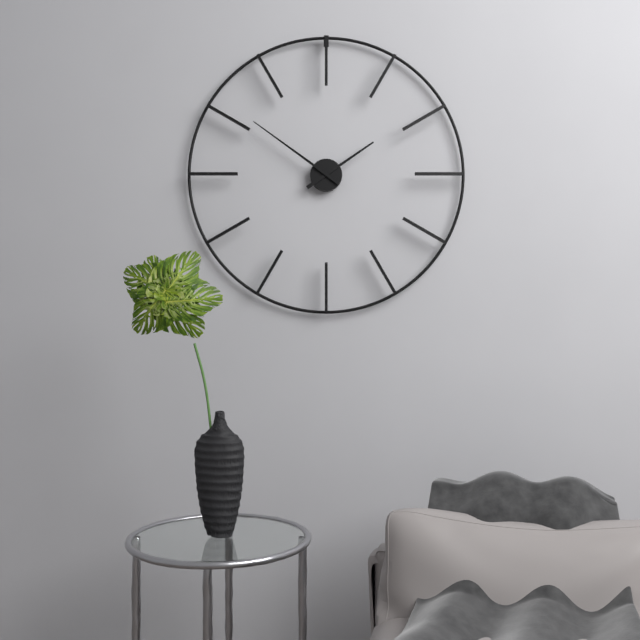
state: 1:51
